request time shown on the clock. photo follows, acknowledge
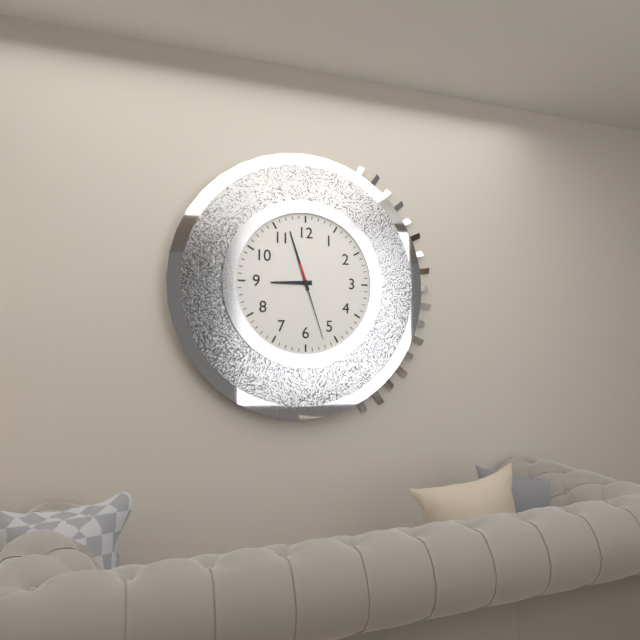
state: 8:57:27
